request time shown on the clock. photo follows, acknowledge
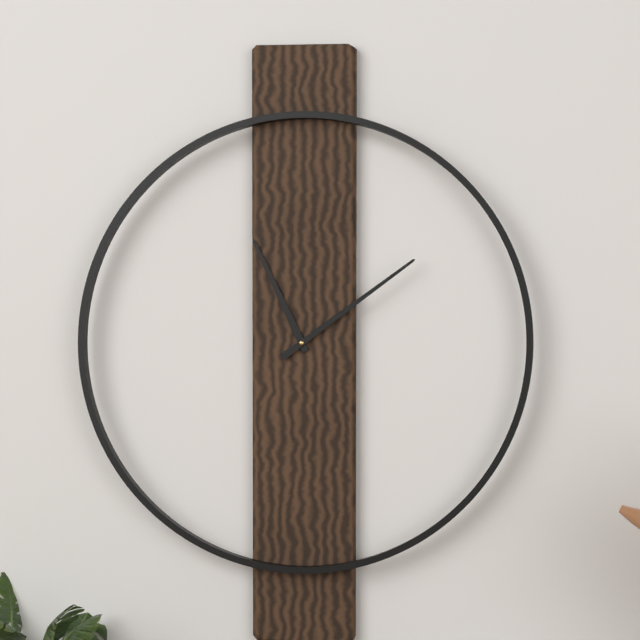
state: 11:09
